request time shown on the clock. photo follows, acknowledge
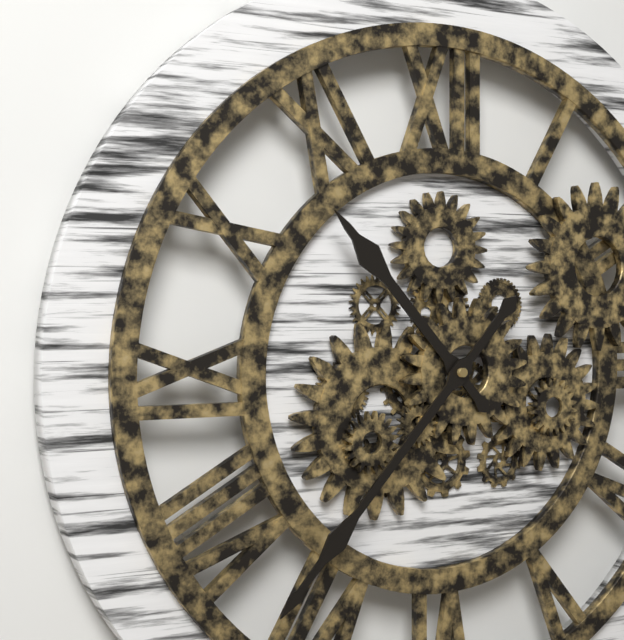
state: 10:37
